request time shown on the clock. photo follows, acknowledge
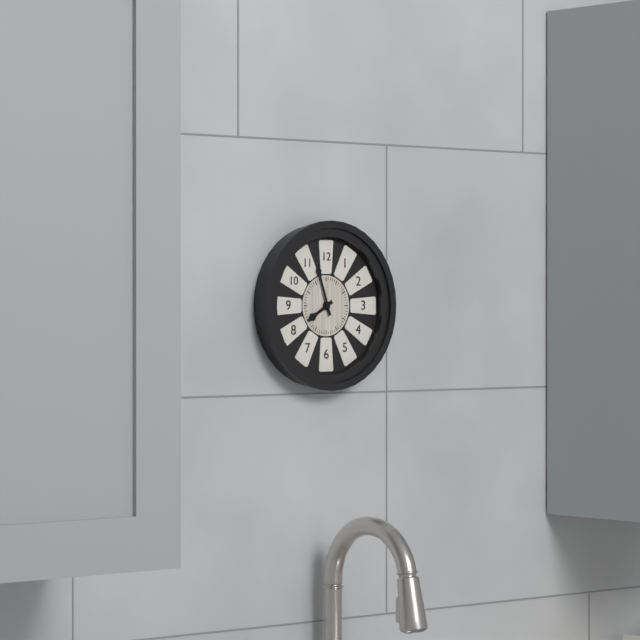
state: 7:57
